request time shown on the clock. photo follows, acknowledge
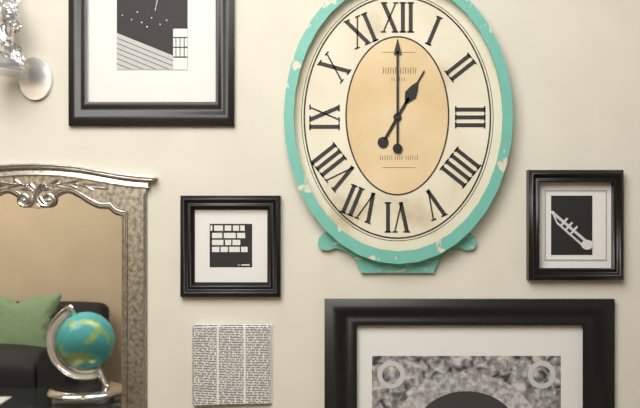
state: 1:00
